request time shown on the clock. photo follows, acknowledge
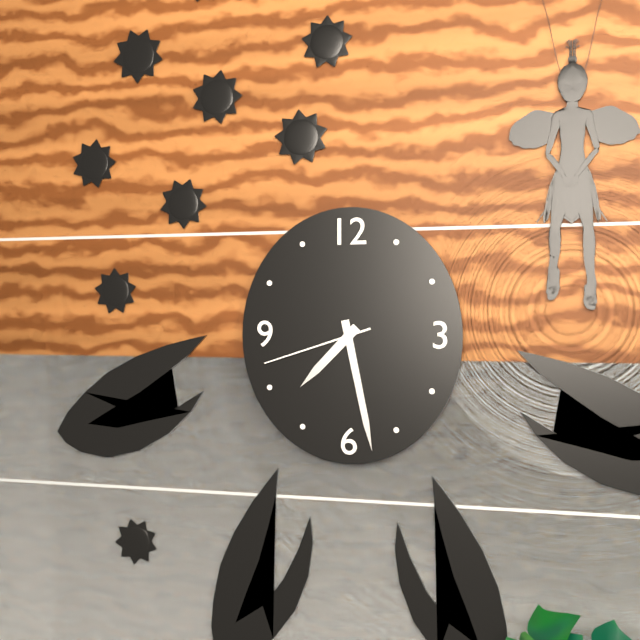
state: 7:28:42
